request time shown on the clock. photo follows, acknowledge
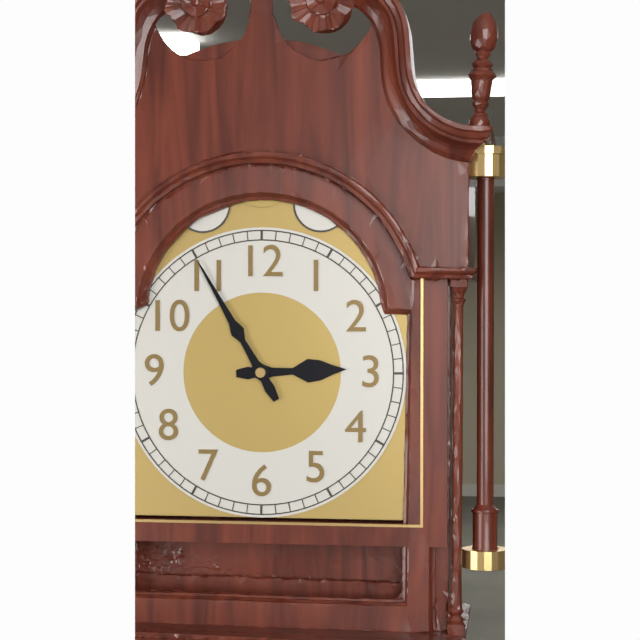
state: 2:55
